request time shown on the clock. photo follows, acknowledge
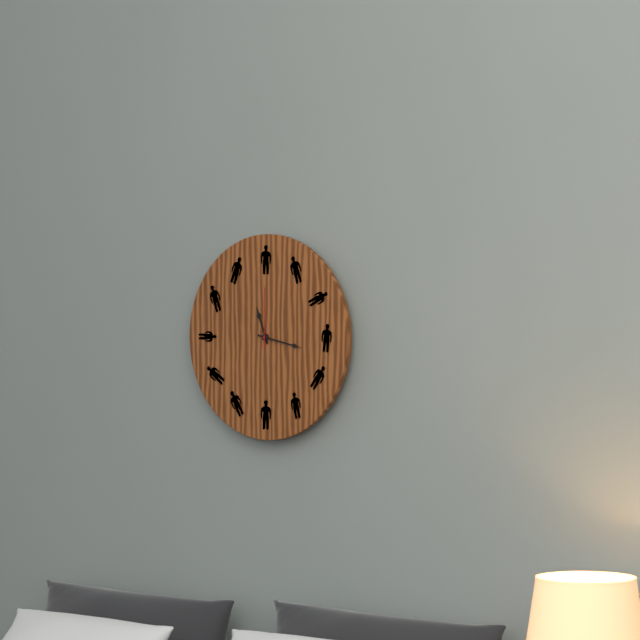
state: 11:17:00
